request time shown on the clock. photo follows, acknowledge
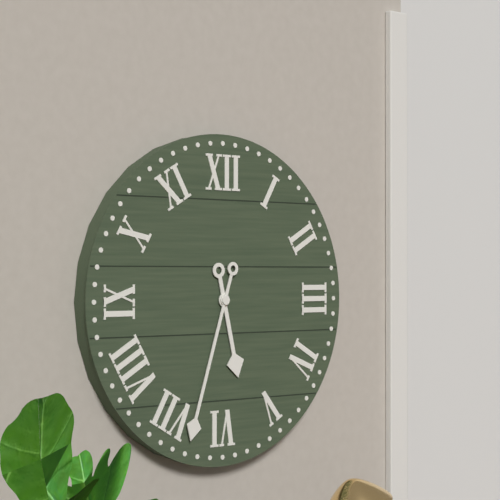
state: 5:33
